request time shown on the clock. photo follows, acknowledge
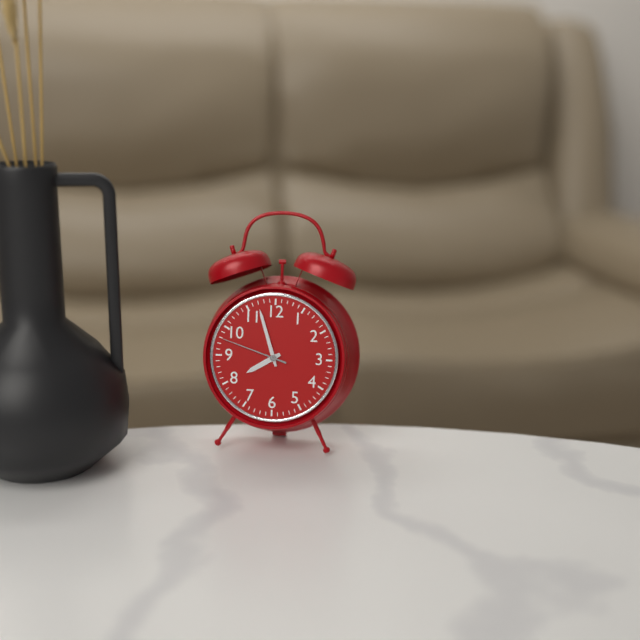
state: 7:57:48
